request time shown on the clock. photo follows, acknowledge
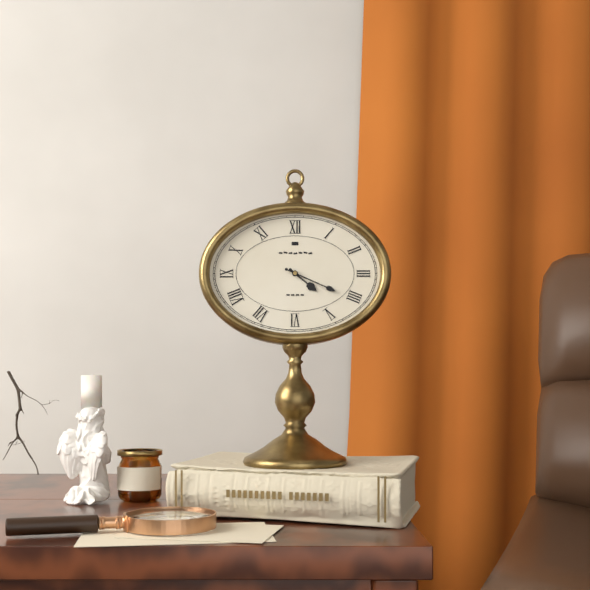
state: 4:19
